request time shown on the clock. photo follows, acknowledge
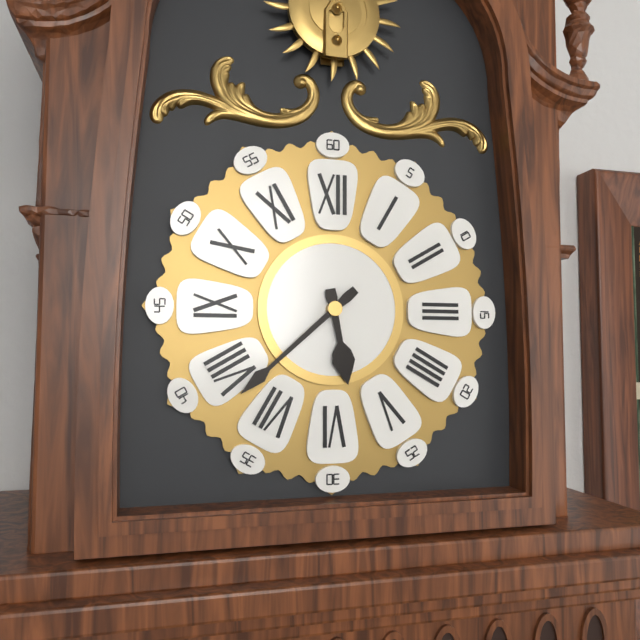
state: 5:38
